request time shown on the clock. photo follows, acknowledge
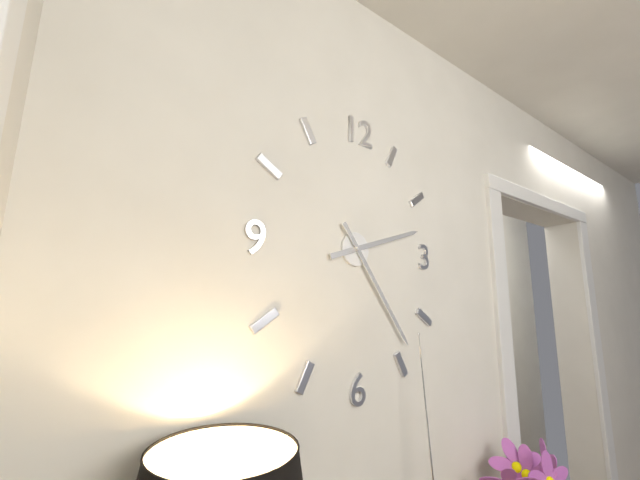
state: 2:24
